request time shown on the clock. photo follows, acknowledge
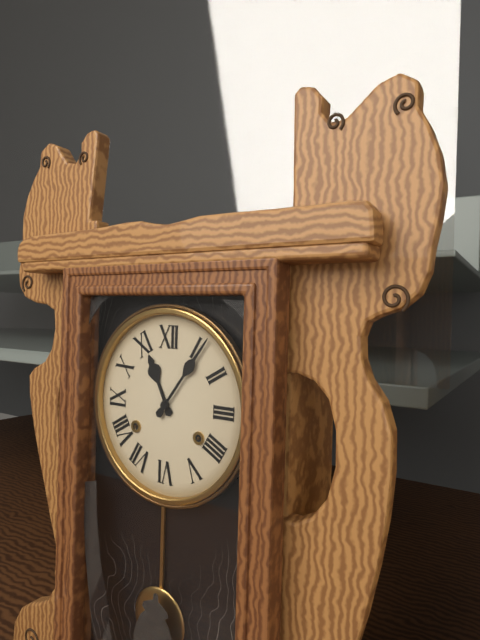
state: 11:06
